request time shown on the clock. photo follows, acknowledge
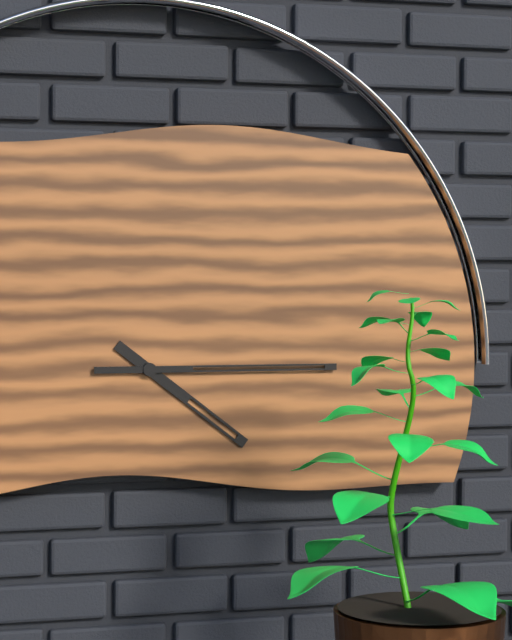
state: 4:15
